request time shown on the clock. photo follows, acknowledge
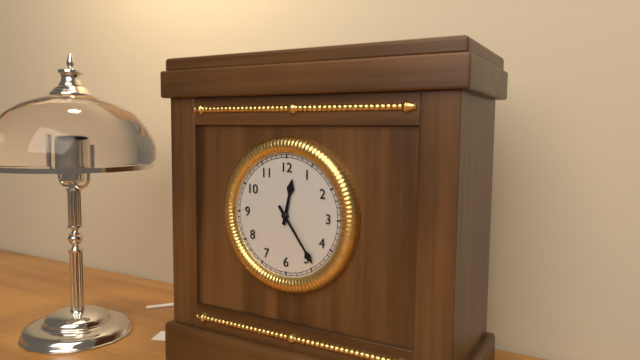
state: 12:24
